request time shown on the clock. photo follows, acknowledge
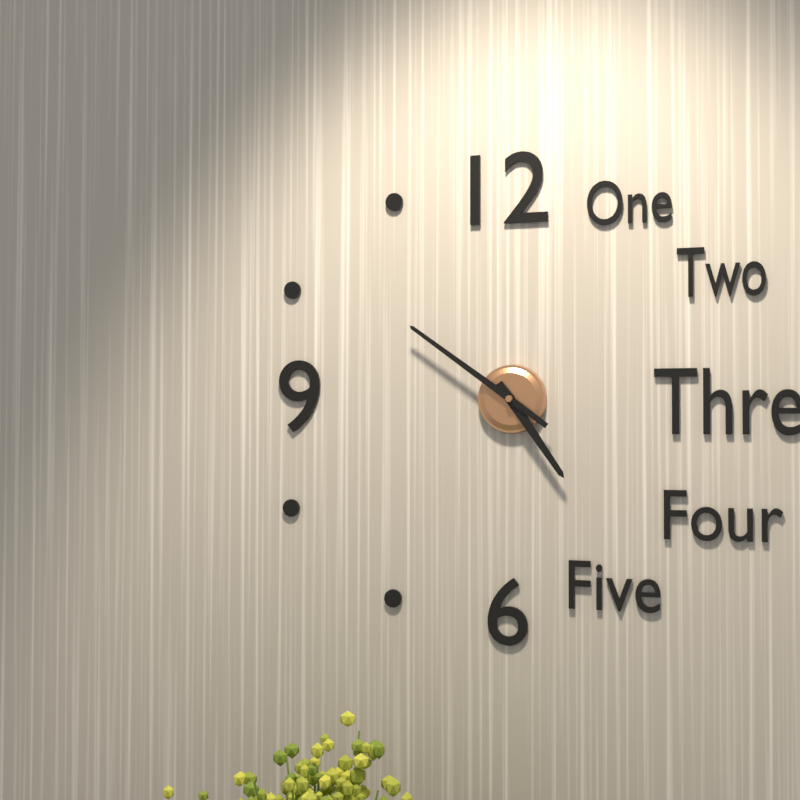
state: 4:51
